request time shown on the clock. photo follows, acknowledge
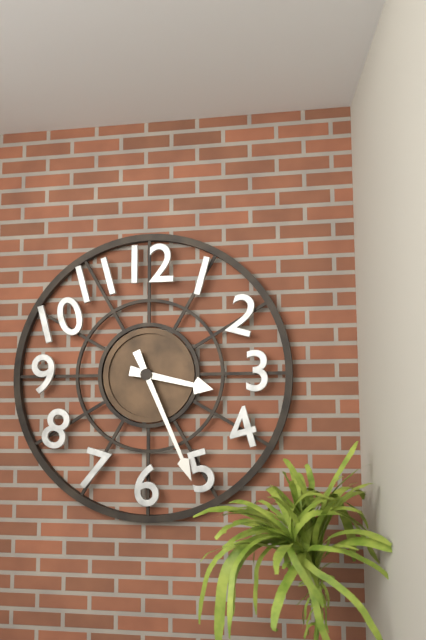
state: 3:26
